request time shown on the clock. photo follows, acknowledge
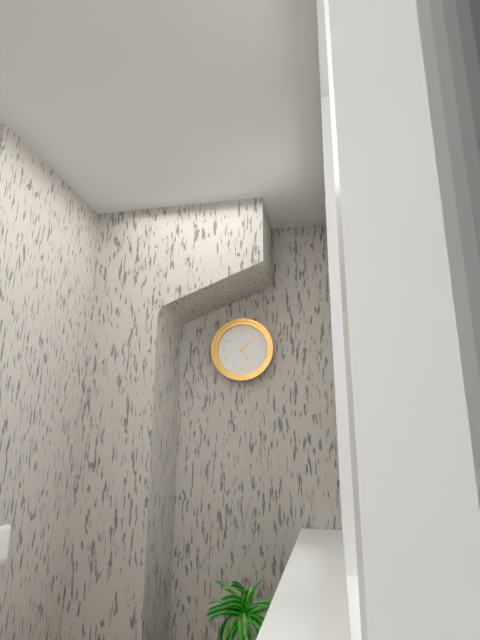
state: 5:08
